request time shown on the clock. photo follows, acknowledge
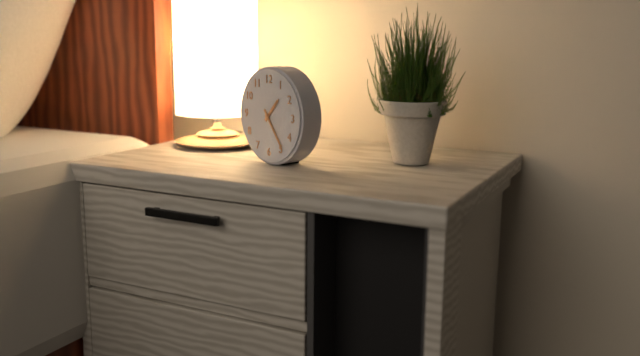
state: 1:24
